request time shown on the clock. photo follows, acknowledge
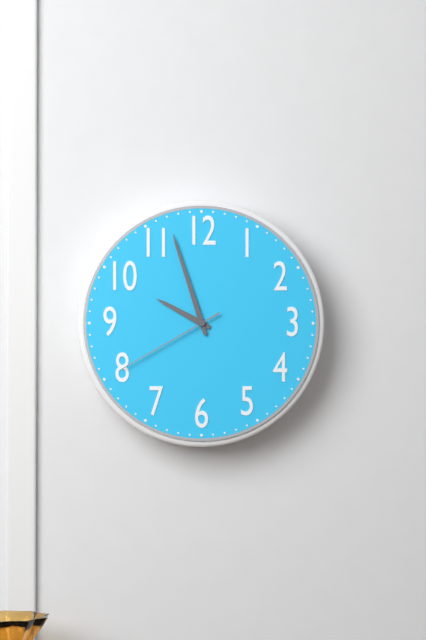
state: 9:57:40
